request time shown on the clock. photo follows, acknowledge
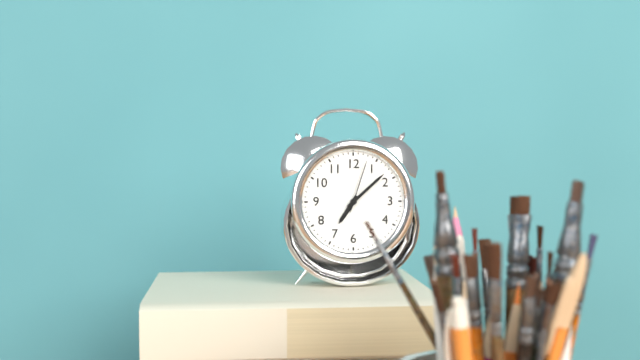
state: 7:08:03
